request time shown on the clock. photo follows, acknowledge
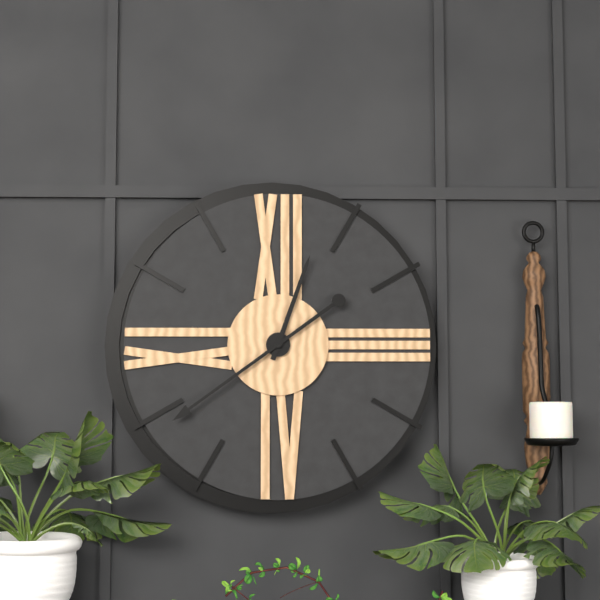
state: 12:39
